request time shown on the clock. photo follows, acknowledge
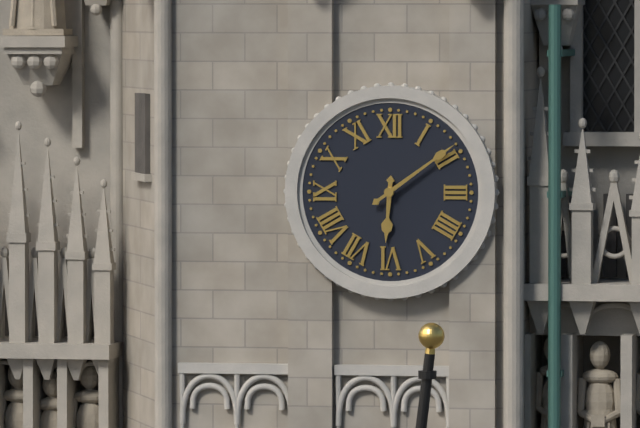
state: 6:09
